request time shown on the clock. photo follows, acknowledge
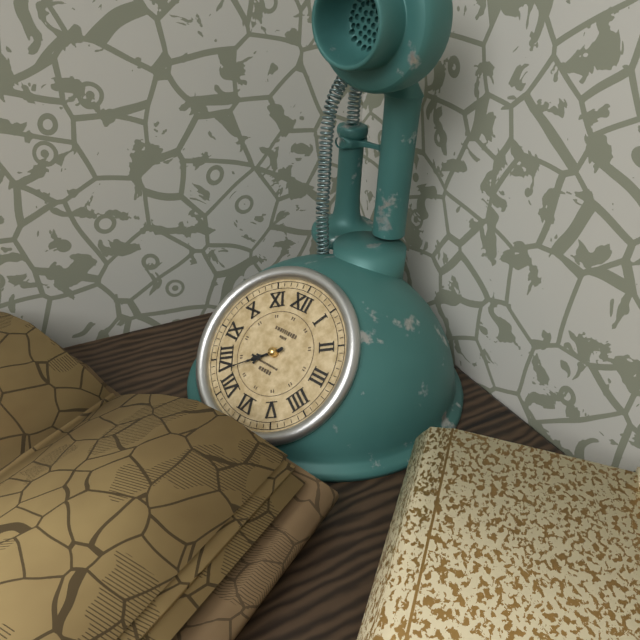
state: 7:38
